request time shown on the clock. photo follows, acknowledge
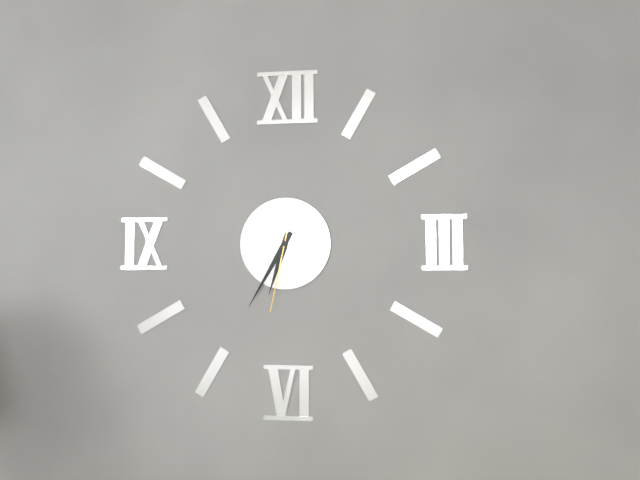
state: 6:35:32
